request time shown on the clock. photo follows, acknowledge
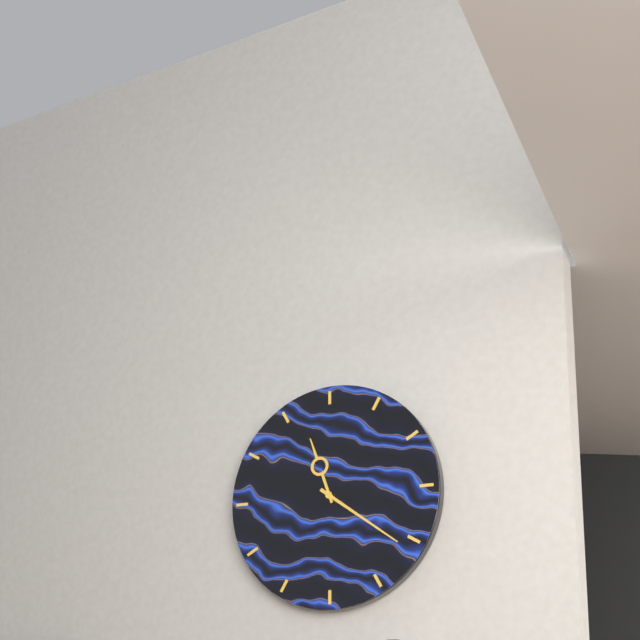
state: 11:21
